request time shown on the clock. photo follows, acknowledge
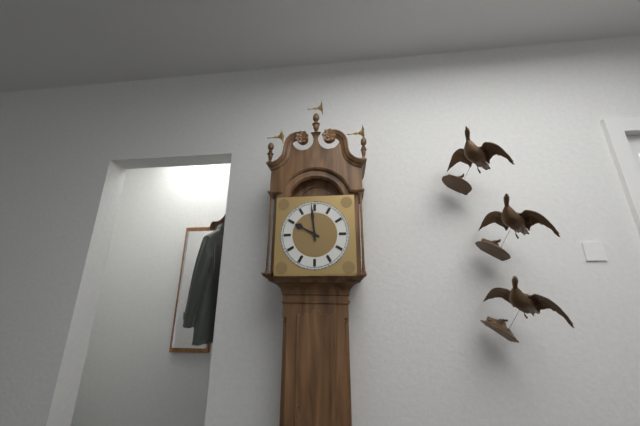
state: 9:59
